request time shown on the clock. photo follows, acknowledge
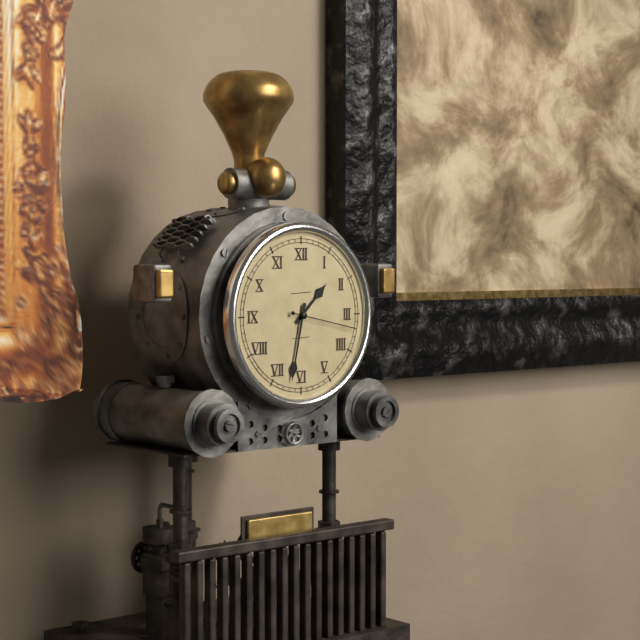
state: 1:32:17
